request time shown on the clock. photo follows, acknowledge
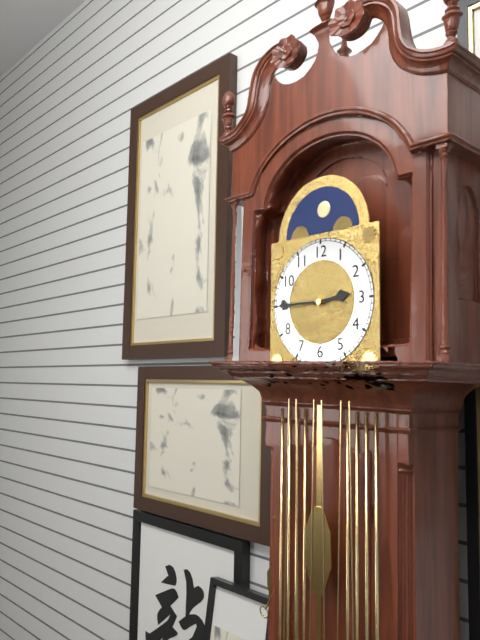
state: 2:45
